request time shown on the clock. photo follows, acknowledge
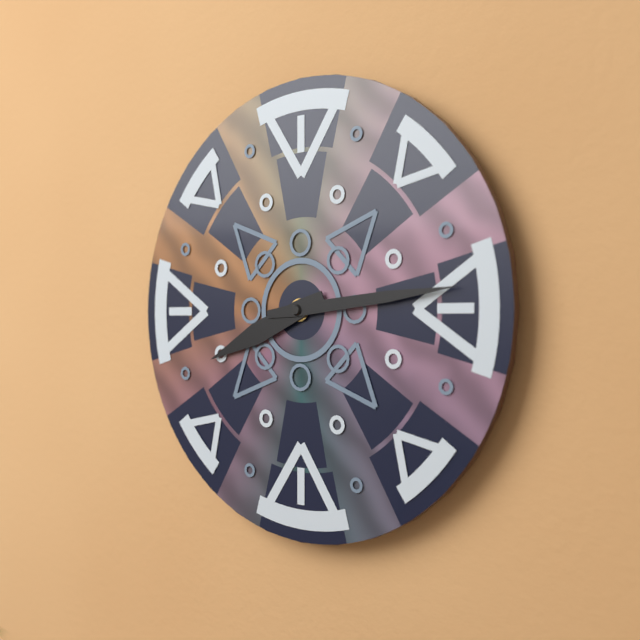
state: 8:14
